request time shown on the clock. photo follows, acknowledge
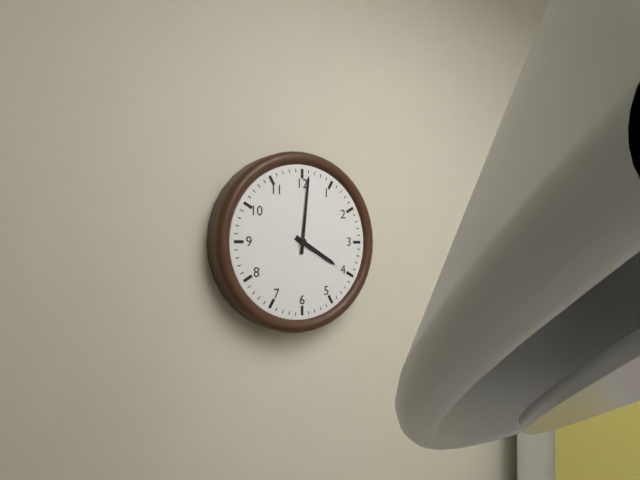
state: 4:01
